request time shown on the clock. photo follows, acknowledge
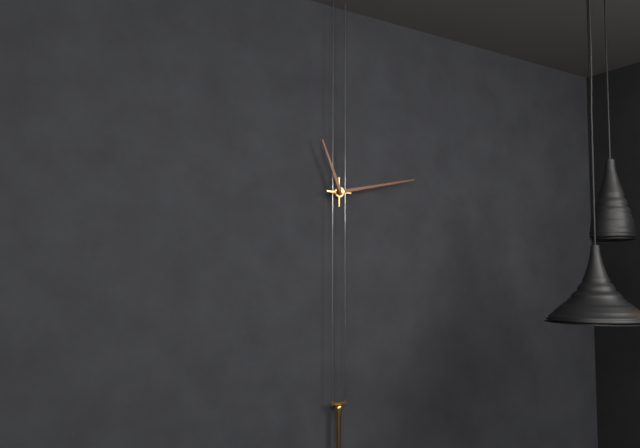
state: 11:13
